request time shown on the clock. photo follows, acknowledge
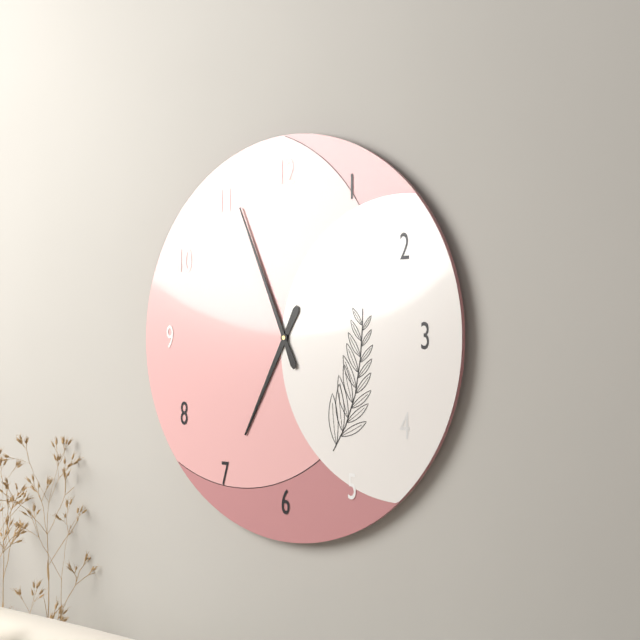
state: 6:56
